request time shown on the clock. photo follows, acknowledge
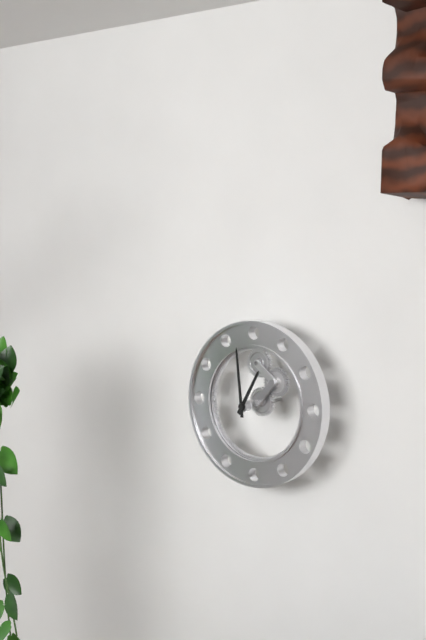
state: 12:59
